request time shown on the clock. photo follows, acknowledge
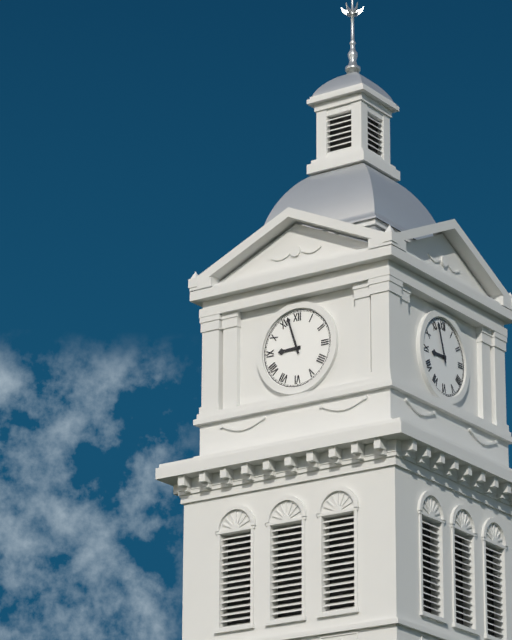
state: 8:57
